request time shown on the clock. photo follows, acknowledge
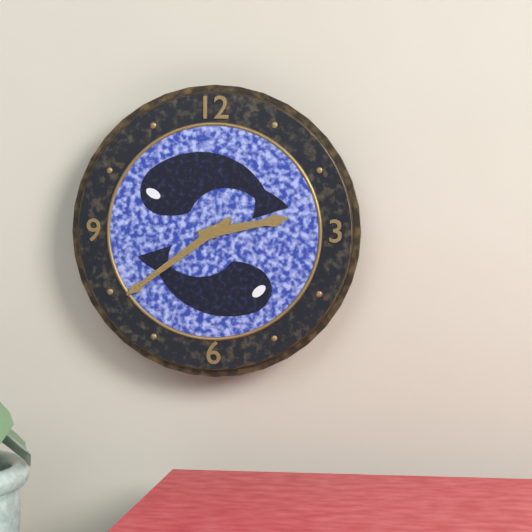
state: 2:39
